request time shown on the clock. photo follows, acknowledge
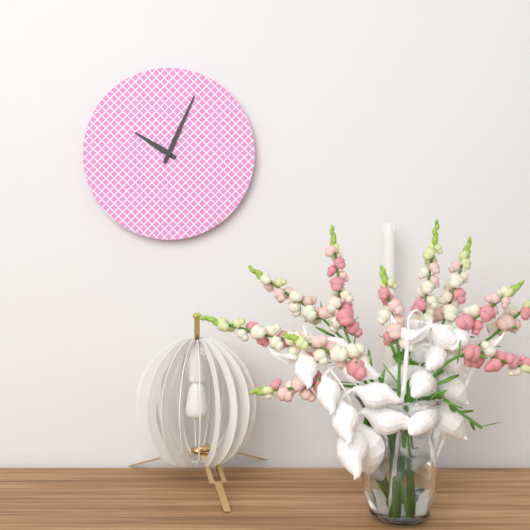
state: 10:04
